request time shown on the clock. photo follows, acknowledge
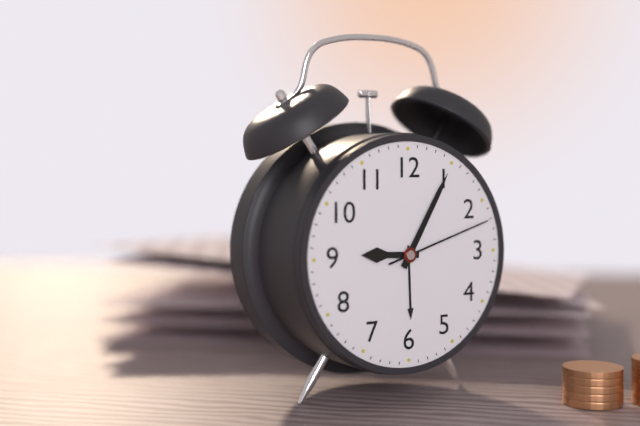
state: 9:05:12
